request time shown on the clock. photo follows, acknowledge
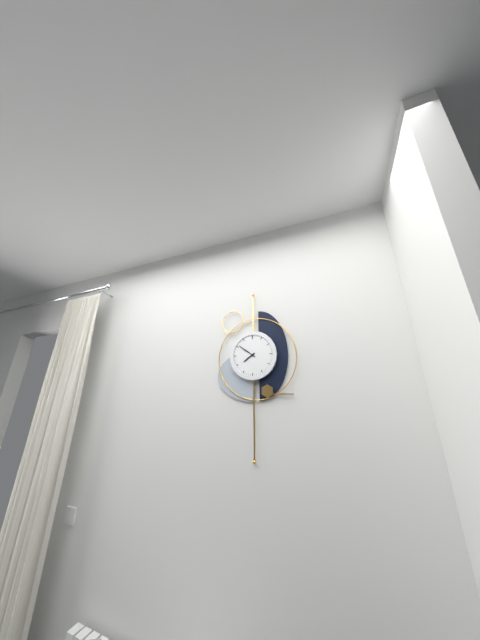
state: 7:51
